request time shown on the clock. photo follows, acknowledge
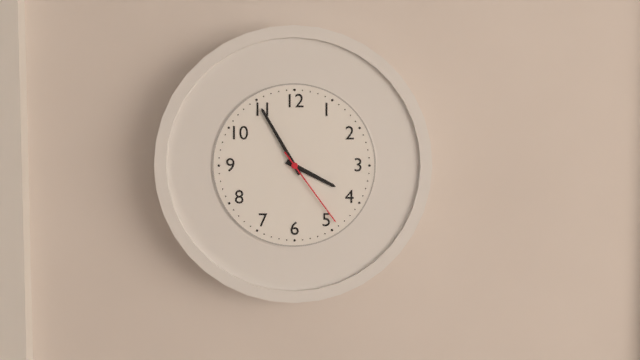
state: 3:55:24
